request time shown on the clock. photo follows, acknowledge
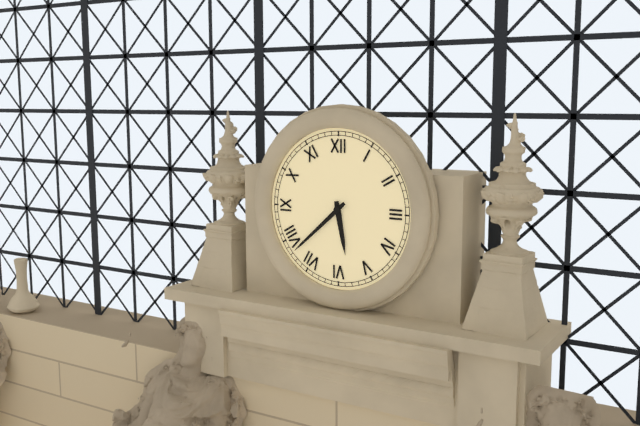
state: 5:38
